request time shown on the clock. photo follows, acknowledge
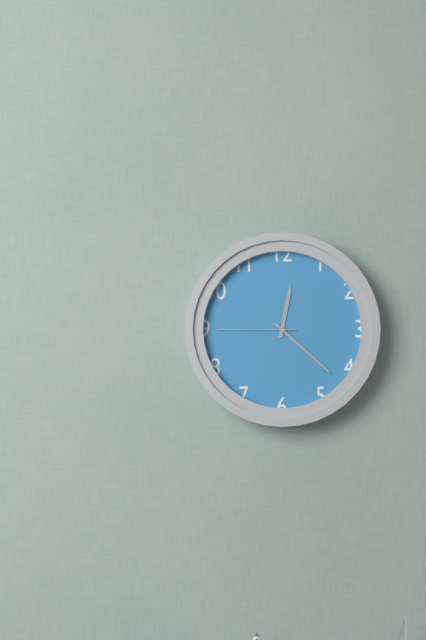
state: 12:22:45
